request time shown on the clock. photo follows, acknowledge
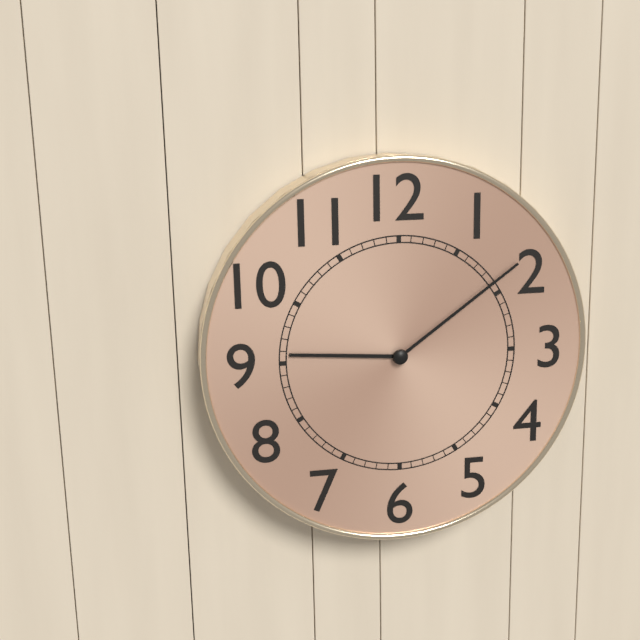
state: 9:09
